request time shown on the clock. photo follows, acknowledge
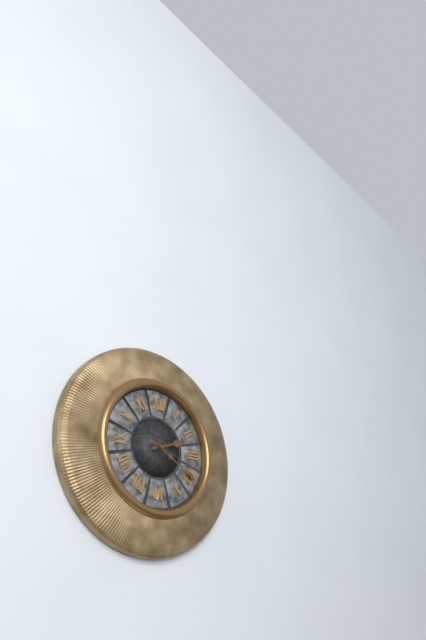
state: 2:20:18
